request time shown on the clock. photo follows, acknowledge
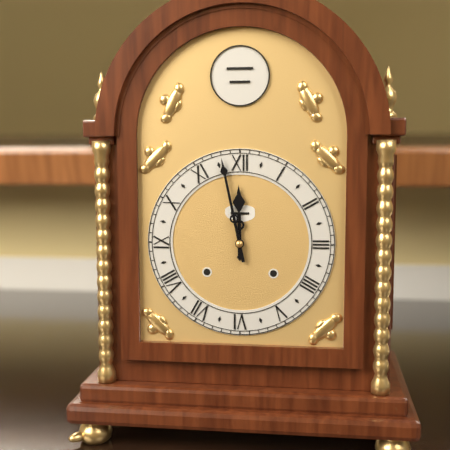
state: 11:58
